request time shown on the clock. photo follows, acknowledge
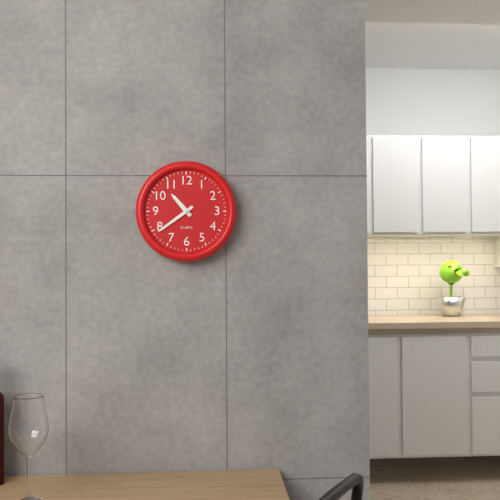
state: 10:39
